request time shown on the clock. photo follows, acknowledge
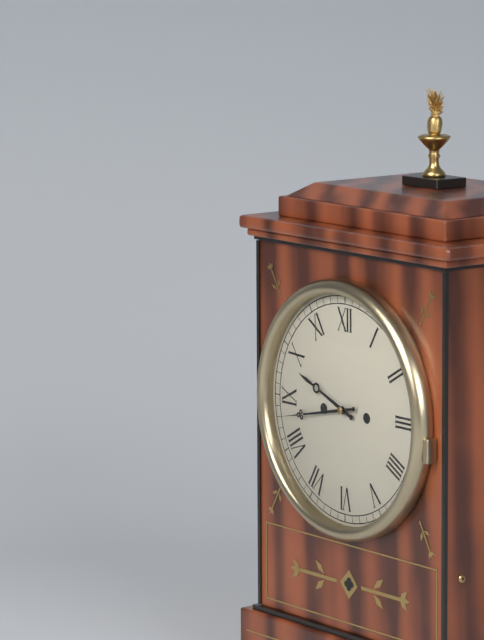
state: 9:43
